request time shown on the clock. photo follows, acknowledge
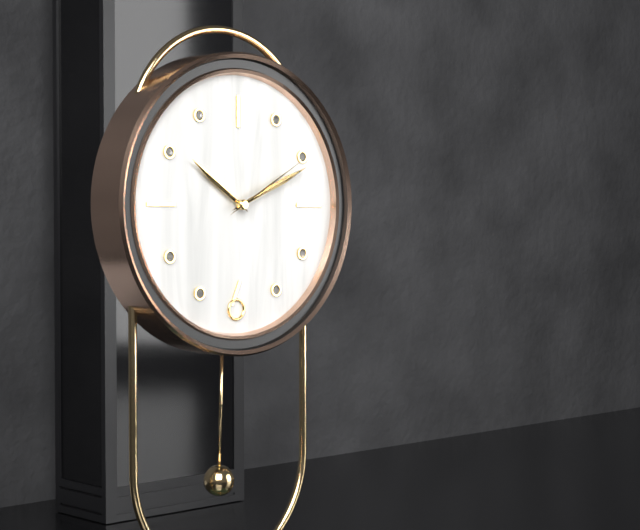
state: 10:11:10
